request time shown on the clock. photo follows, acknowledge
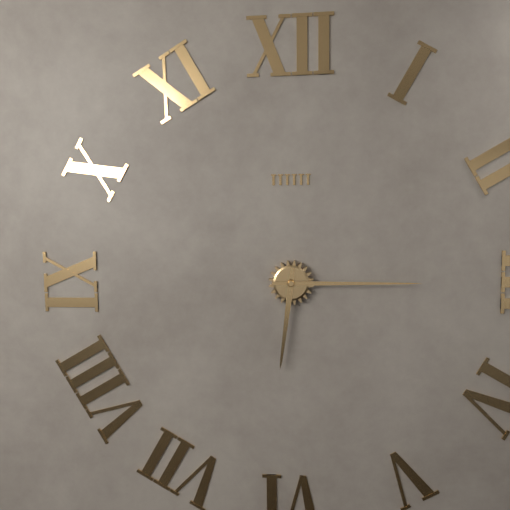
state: 6:15
